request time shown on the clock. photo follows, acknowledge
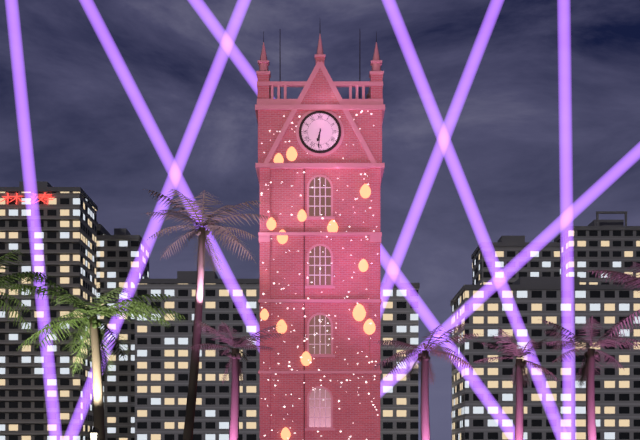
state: 6:31
